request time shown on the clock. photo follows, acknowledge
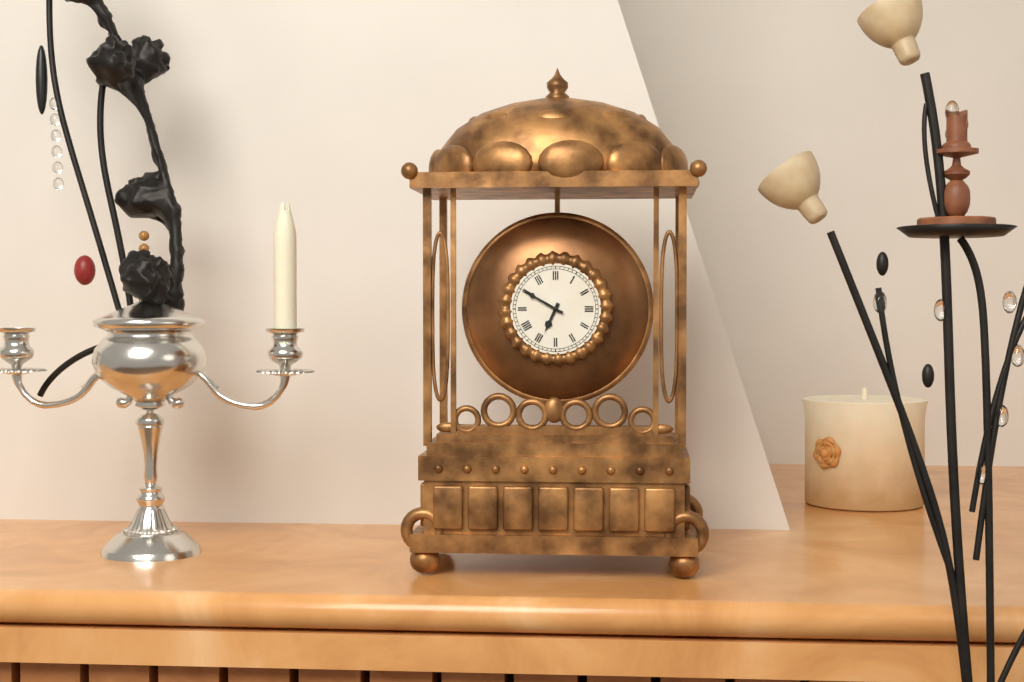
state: 6:50
